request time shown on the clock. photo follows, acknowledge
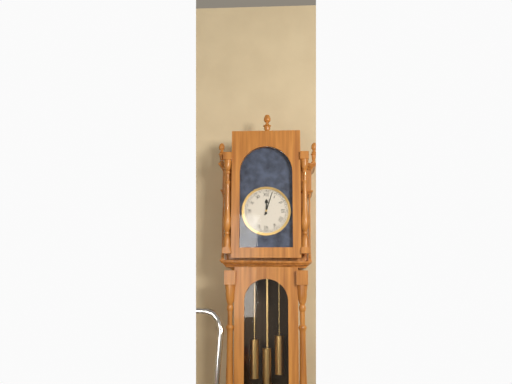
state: 12:03
